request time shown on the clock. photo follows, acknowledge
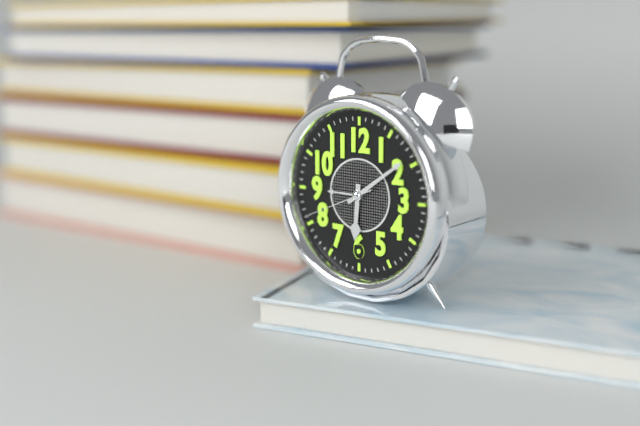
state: 6:09:41
